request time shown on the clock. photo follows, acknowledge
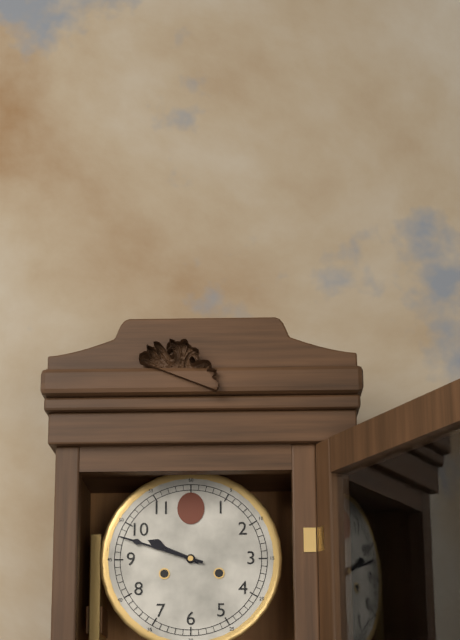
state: 9:48
